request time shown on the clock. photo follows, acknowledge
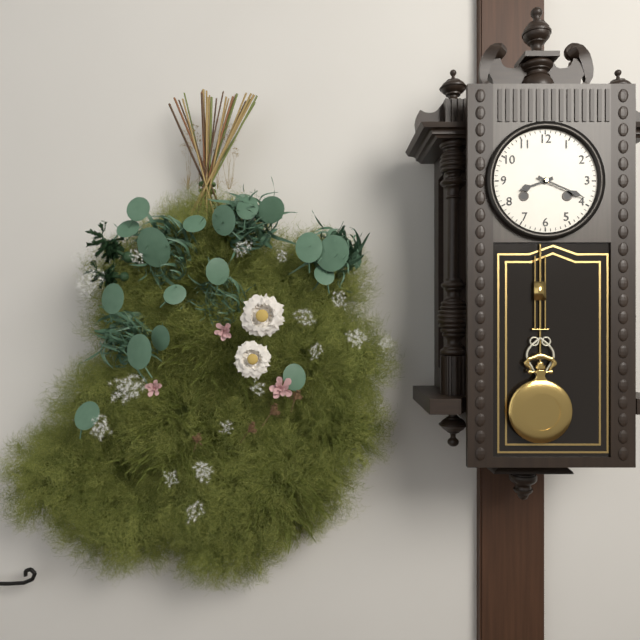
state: 8:19
